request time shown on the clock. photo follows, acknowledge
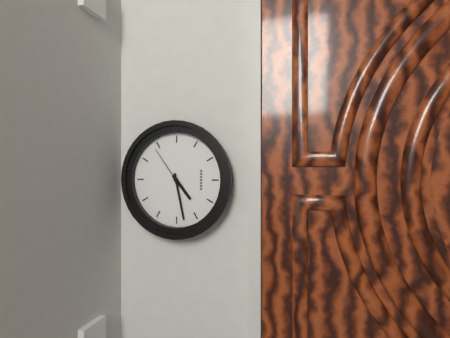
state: 7:43
